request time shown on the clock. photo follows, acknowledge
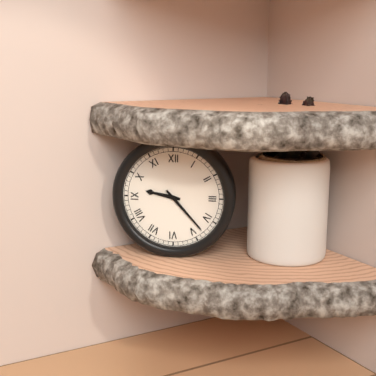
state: 9:23
